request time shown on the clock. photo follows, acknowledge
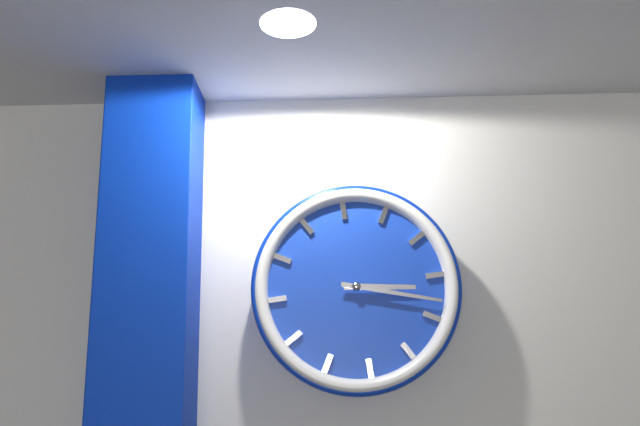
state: 3:18
